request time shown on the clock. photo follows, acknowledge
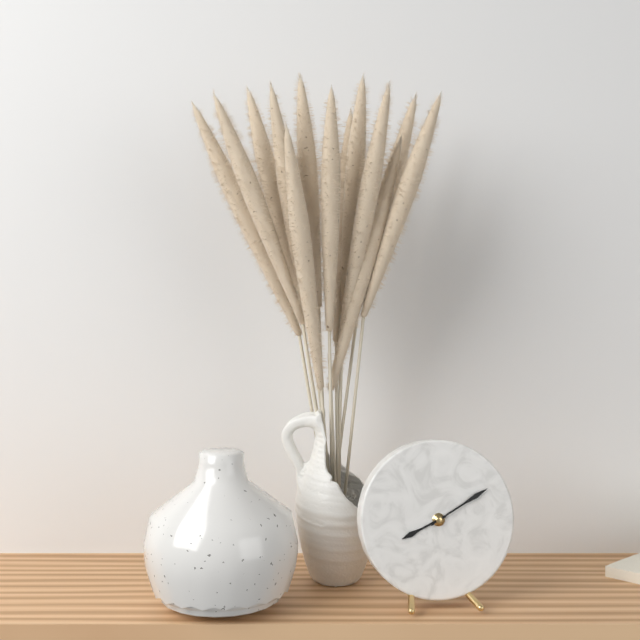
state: 8:10
